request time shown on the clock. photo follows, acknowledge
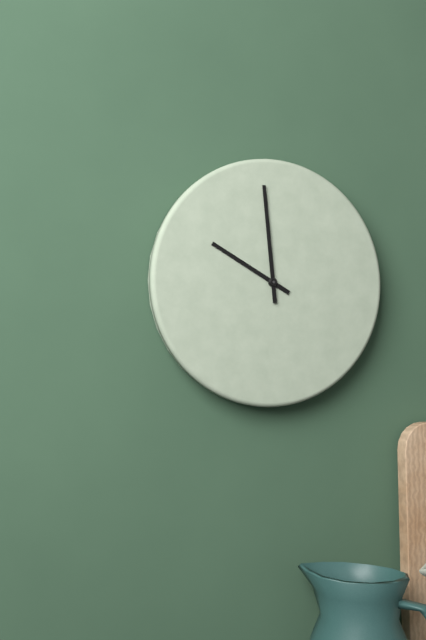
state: 9:59
